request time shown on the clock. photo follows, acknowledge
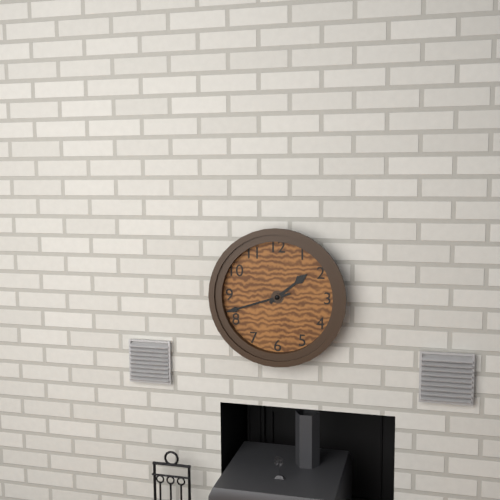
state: 1:42
